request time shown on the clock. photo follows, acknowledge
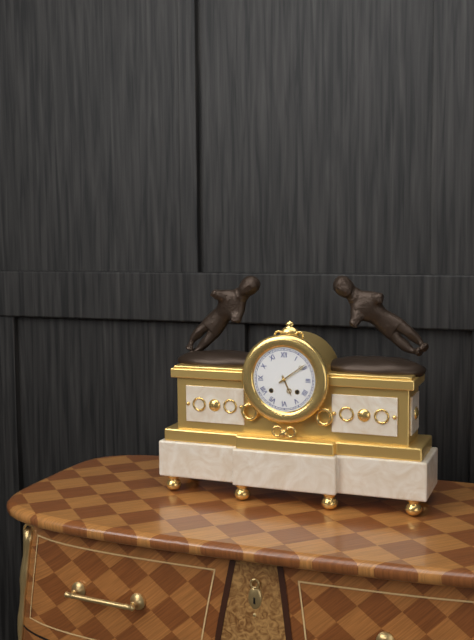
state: 5:09
